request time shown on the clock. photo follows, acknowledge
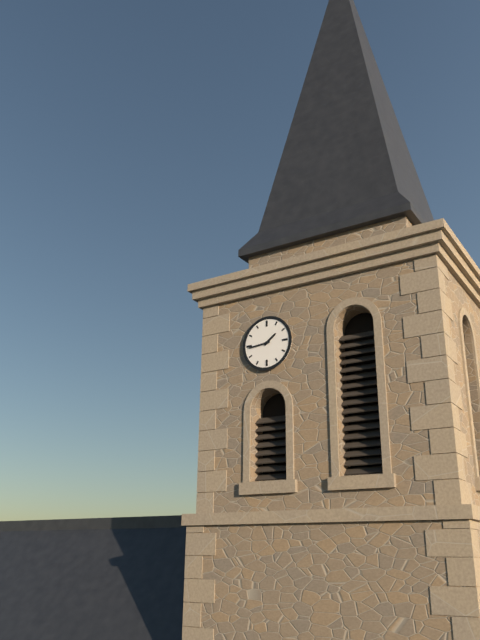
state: 1:44
